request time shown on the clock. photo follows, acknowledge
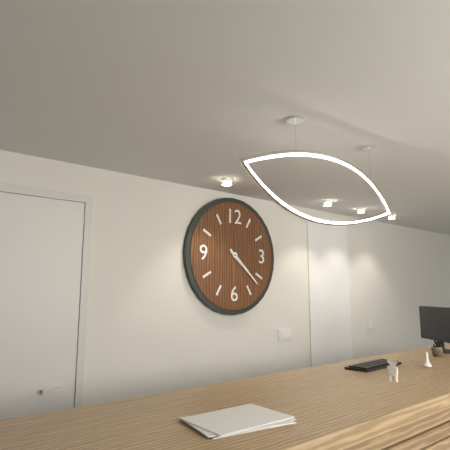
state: 4:22
